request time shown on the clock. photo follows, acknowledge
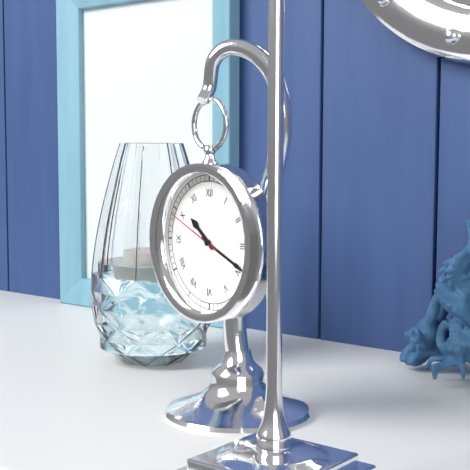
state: 10:19:49
